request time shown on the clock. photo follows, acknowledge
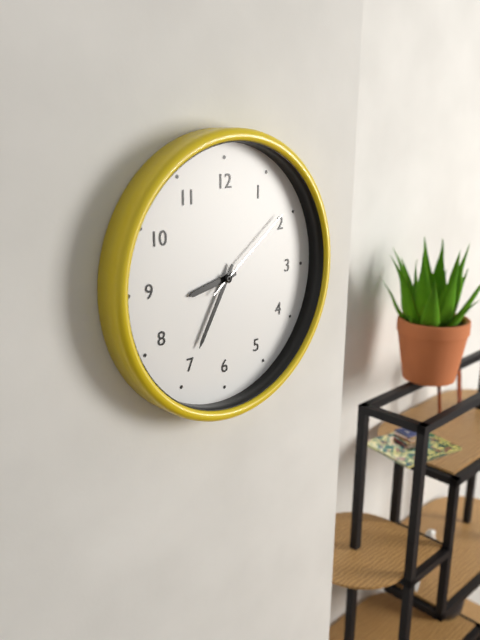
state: 8:35:09
